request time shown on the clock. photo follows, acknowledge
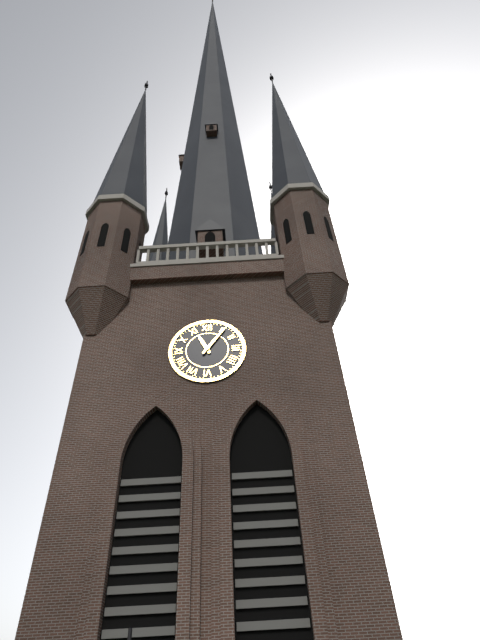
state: 11:06
